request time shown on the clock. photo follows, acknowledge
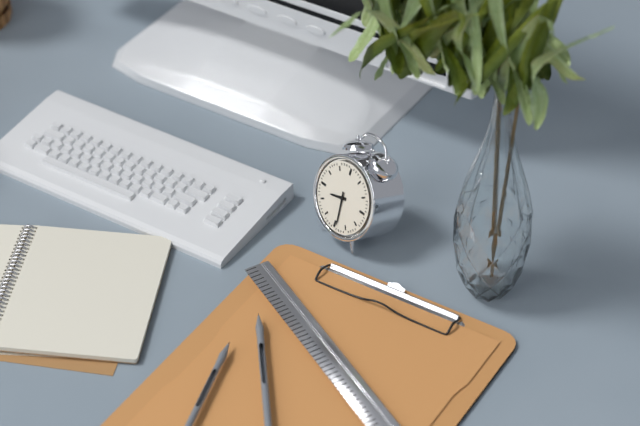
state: 8:29
